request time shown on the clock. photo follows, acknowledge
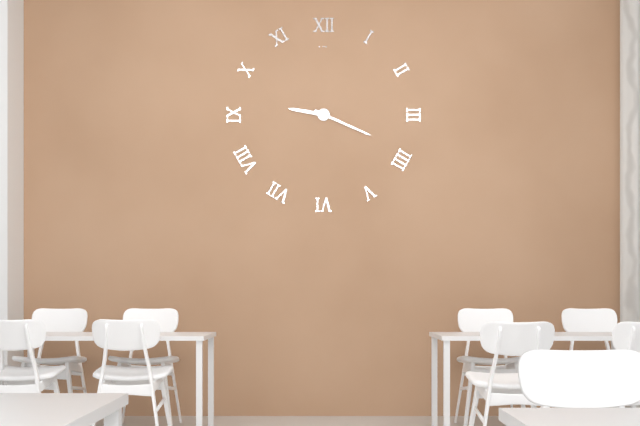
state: 9:19
